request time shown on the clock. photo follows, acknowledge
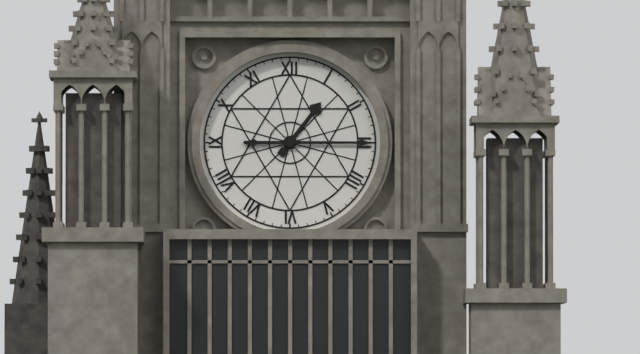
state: 1:15
